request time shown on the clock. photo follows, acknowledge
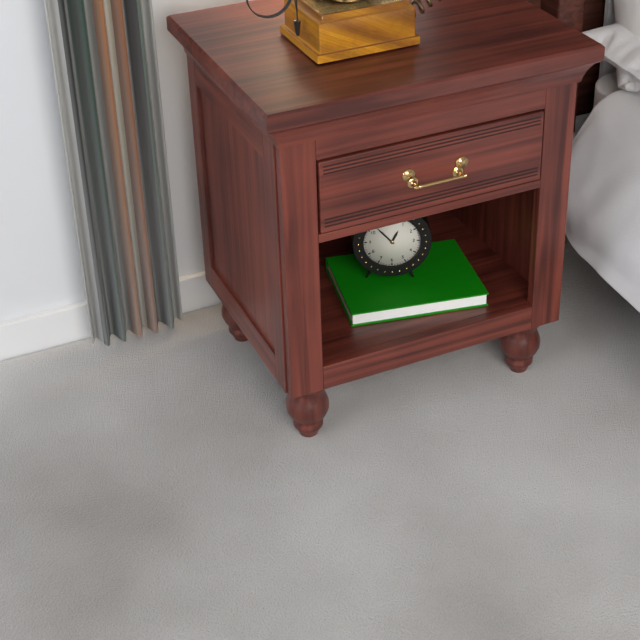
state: 12:53
